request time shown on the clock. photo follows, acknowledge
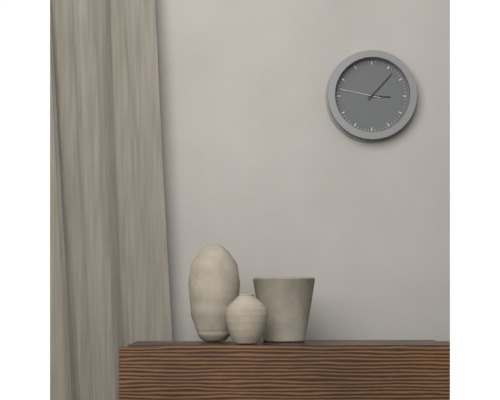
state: 3:07
